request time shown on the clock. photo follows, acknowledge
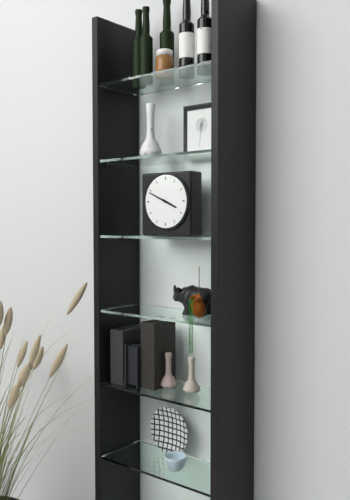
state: 3:49
